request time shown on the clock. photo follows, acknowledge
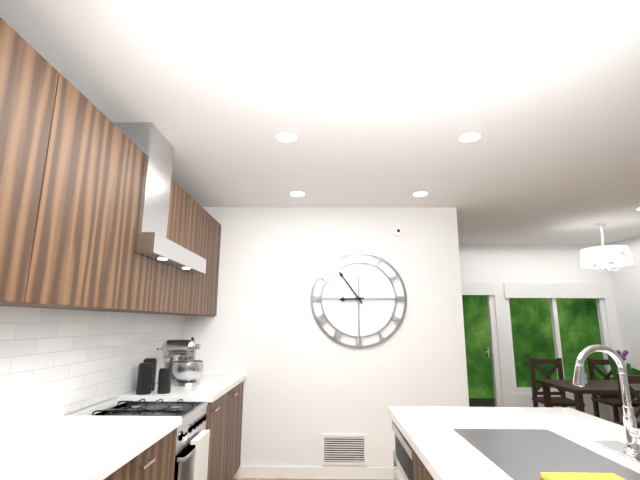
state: 8:54
